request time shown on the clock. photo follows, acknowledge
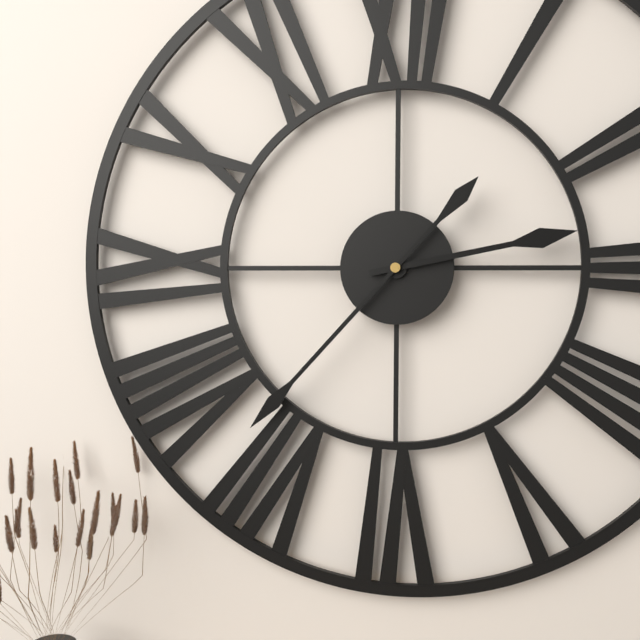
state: 2:37
